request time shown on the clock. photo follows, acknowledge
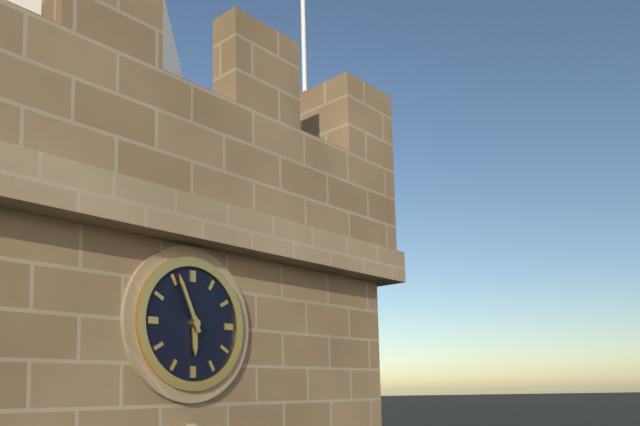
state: 5:56
